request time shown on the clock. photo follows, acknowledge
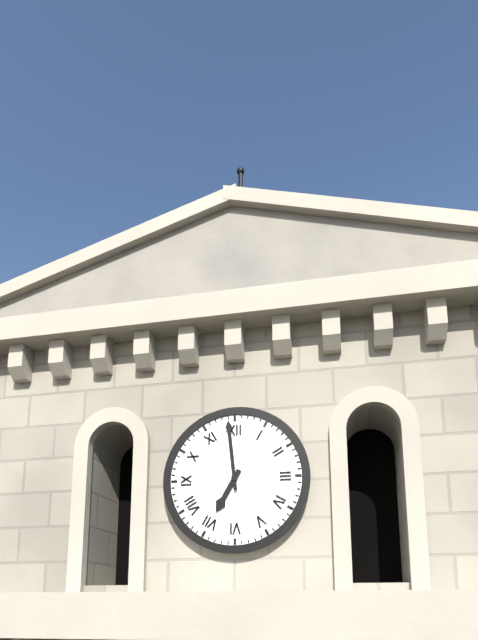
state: 6:59
